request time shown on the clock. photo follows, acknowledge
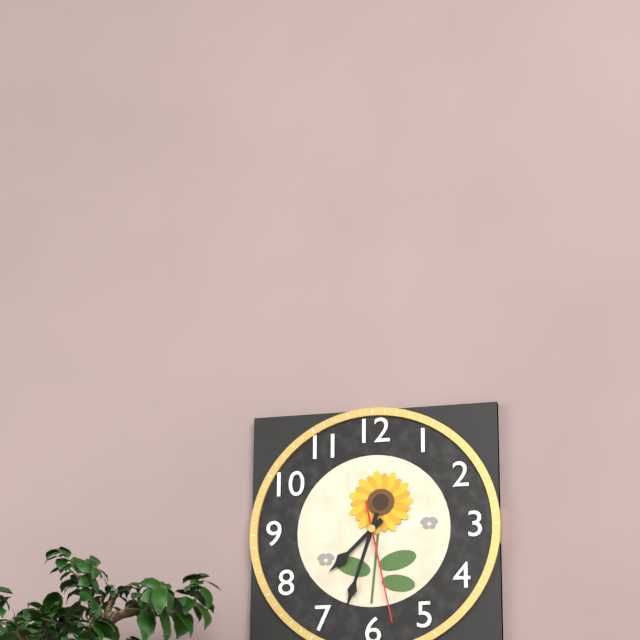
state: 7:33:28
